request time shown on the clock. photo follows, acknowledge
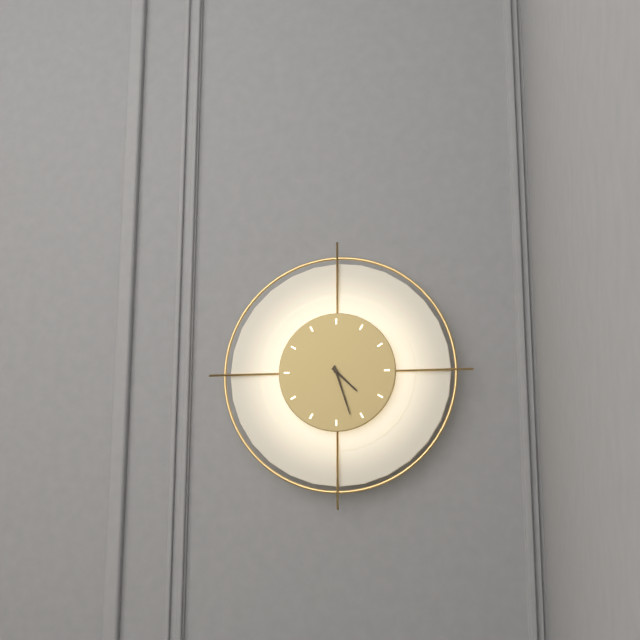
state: 4:27
